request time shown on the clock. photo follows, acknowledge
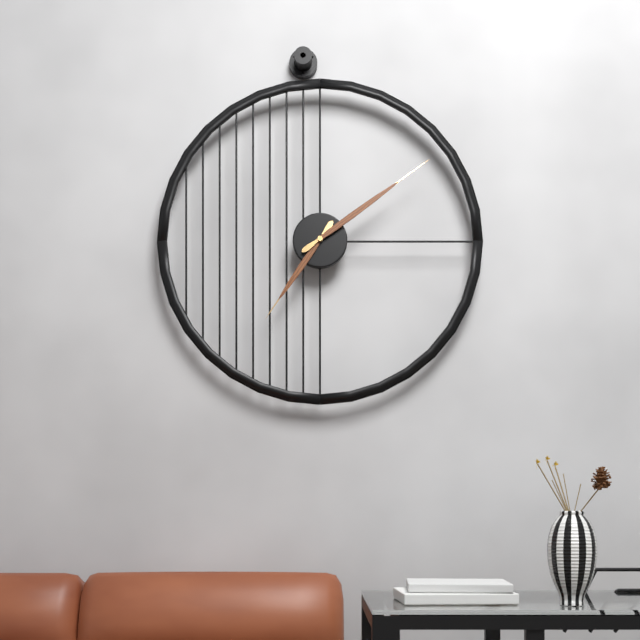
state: 7:09
